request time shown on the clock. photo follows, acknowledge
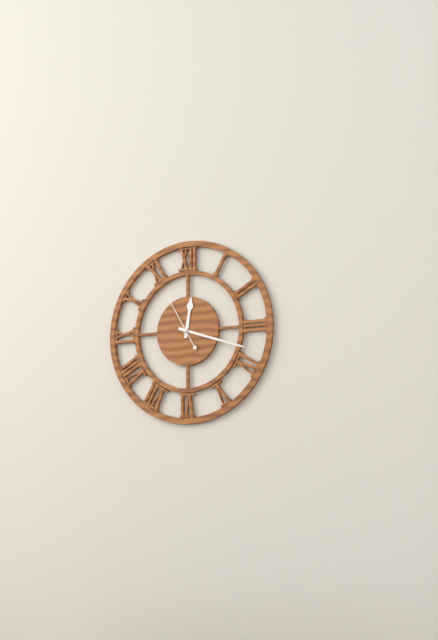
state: 12:18:55
